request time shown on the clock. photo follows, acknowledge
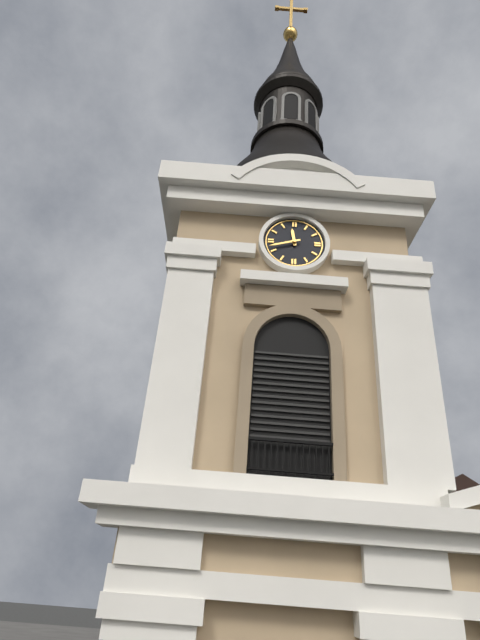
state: 11:42
